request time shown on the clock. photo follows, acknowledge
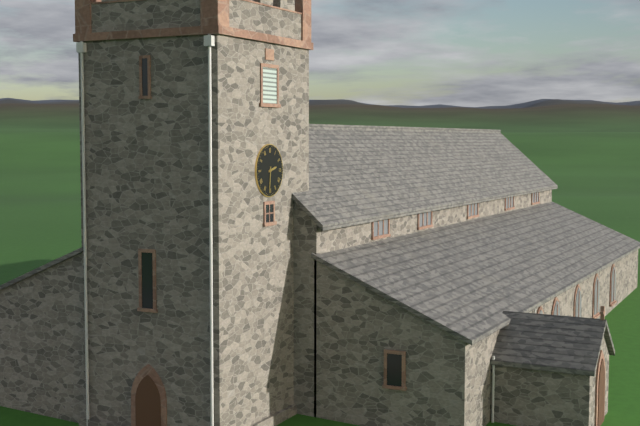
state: 2:31
